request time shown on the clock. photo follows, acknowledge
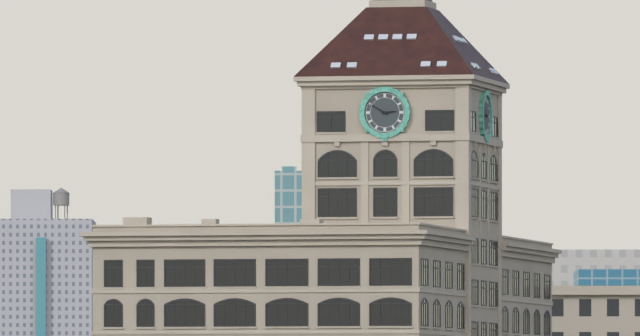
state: 2:50
